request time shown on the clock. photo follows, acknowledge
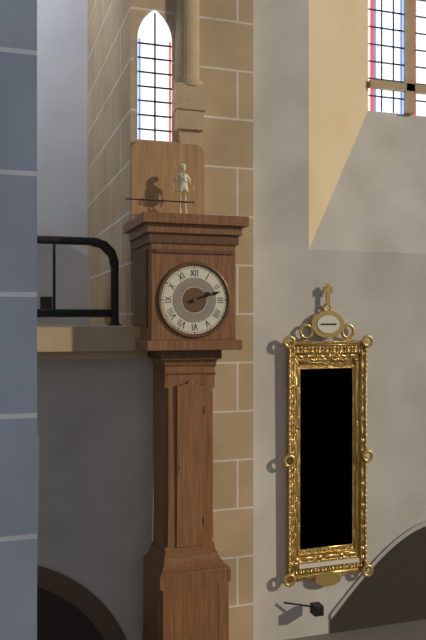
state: 2:12
